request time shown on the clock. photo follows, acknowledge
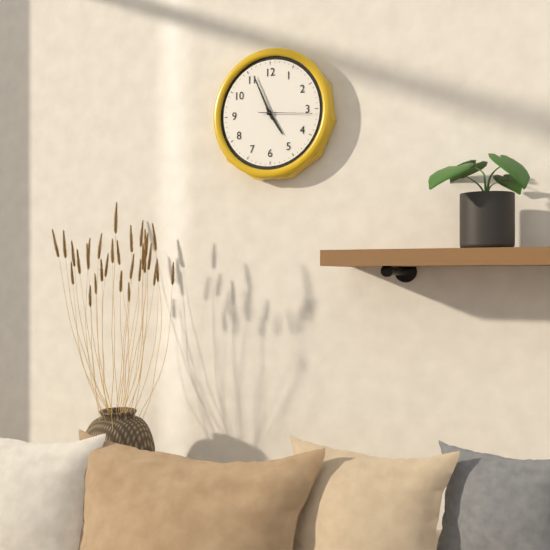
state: 4:56:16
